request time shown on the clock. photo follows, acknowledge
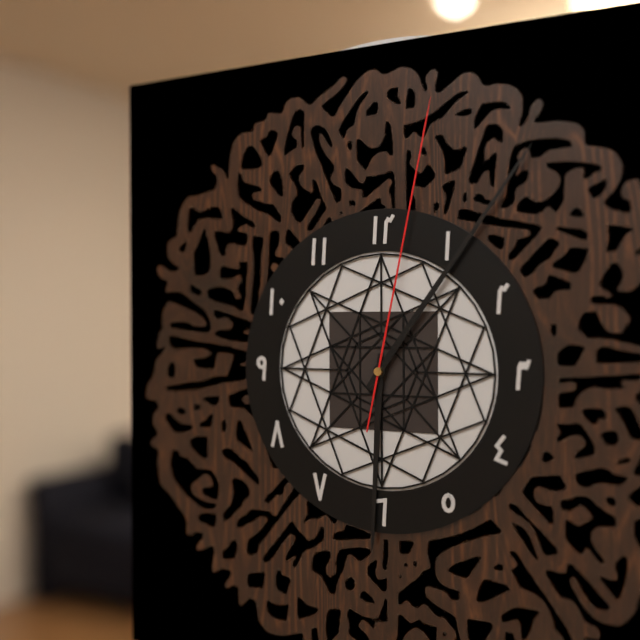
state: 6:06:02
